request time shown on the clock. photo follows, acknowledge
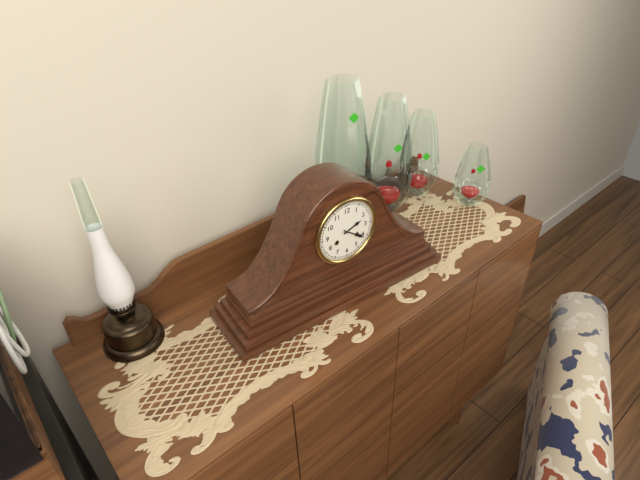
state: 2:21
